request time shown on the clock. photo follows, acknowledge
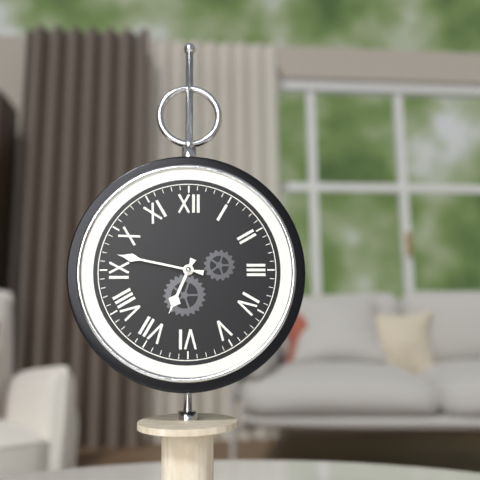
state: 6:47
